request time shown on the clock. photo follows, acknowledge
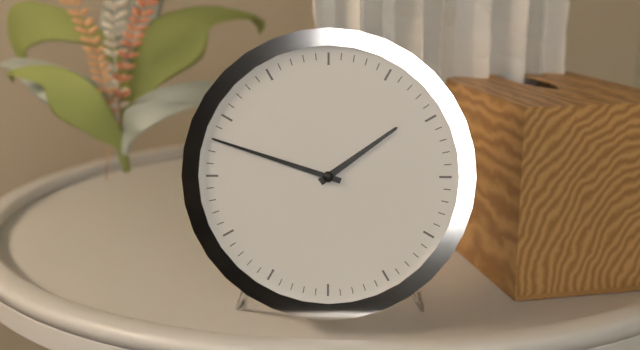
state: 1:48
